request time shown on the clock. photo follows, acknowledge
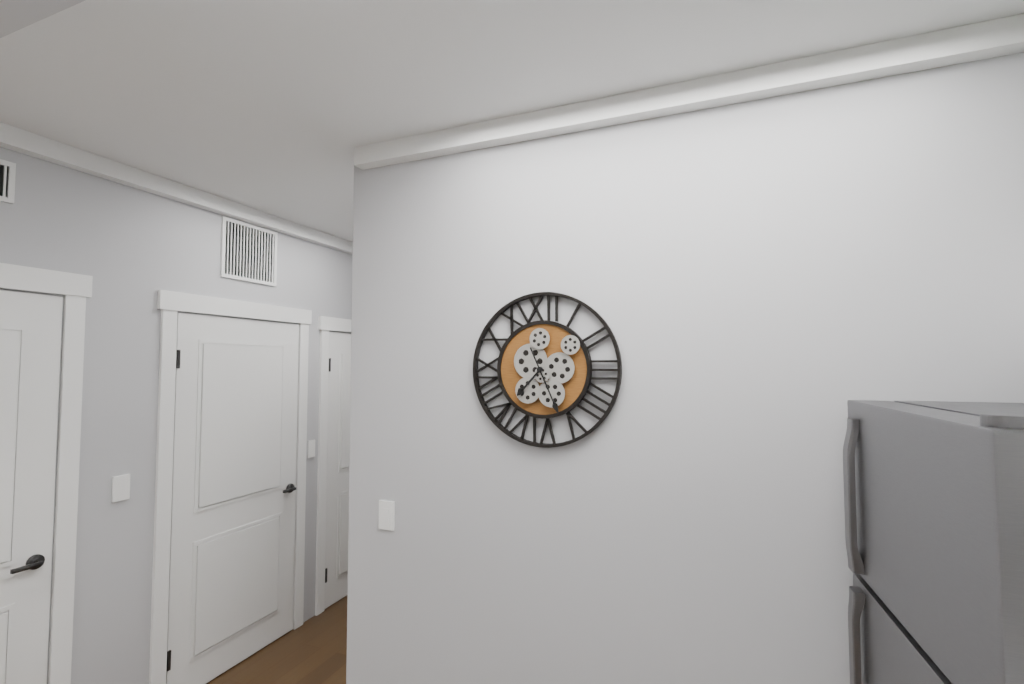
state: 7:26
